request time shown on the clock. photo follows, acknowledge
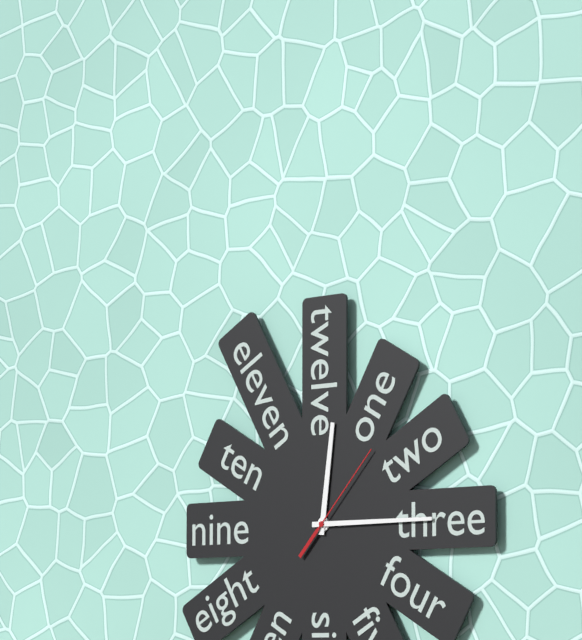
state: 12:15:07
